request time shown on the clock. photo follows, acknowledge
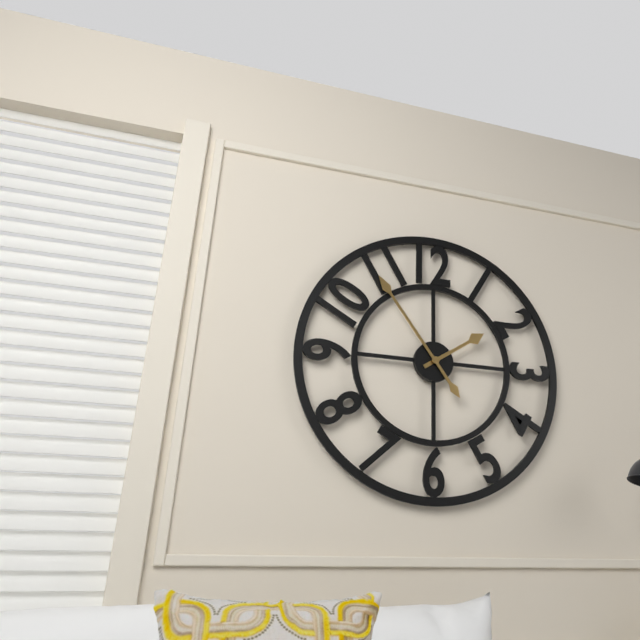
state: 1:54
